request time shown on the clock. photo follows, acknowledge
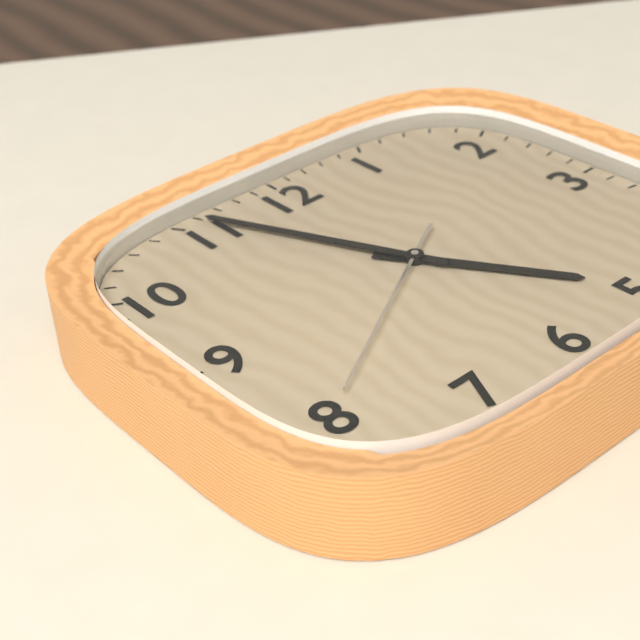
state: 4:56:40
